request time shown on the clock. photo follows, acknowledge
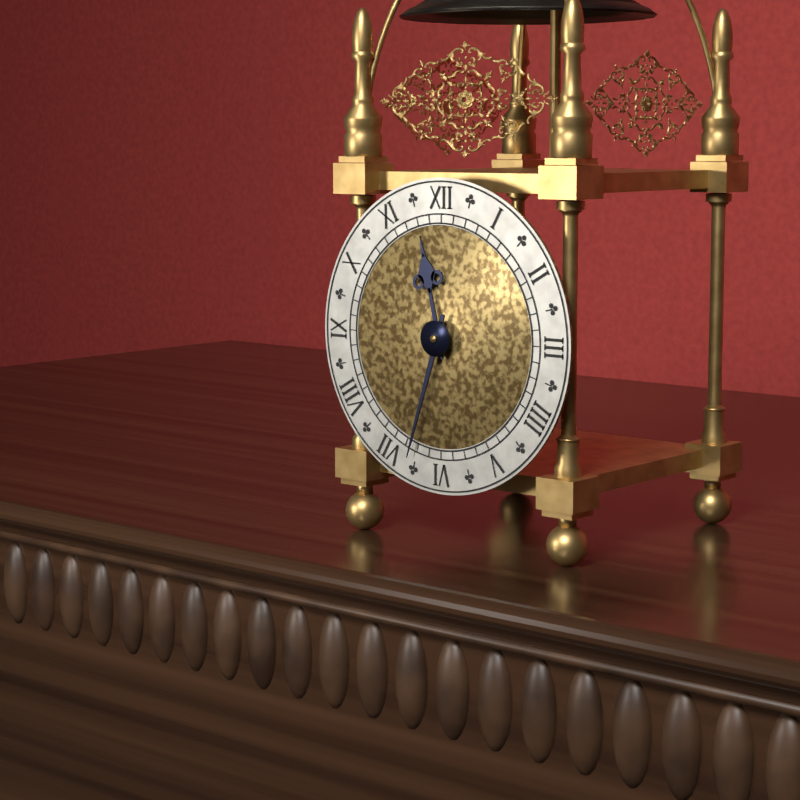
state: 11:33
